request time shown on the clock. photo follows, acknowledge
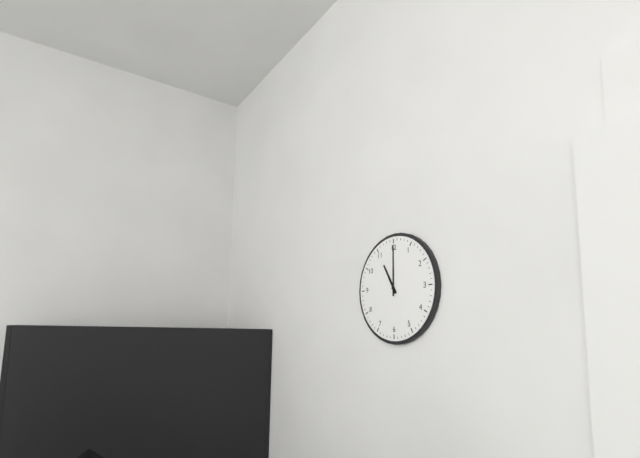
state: 11:00
